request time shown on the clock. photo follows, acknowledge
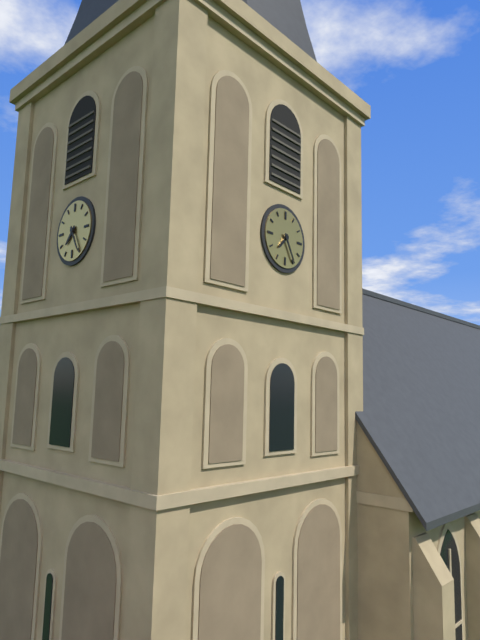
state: 7:25
